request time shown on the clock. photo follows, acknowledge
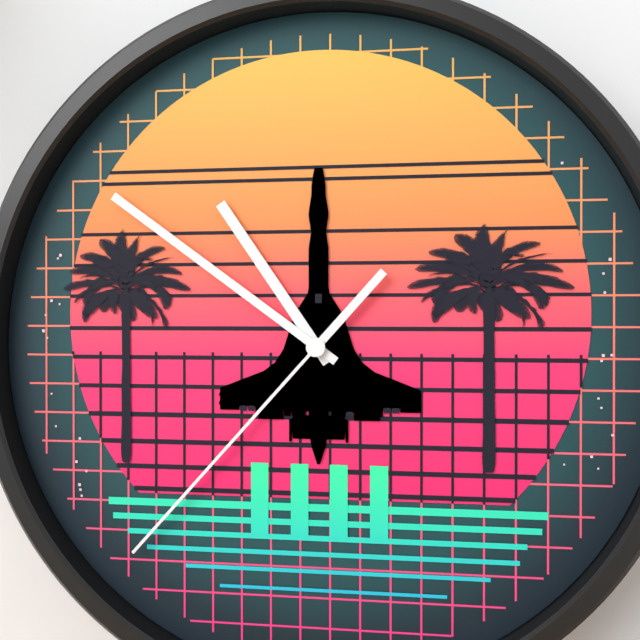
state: 10:51:37
